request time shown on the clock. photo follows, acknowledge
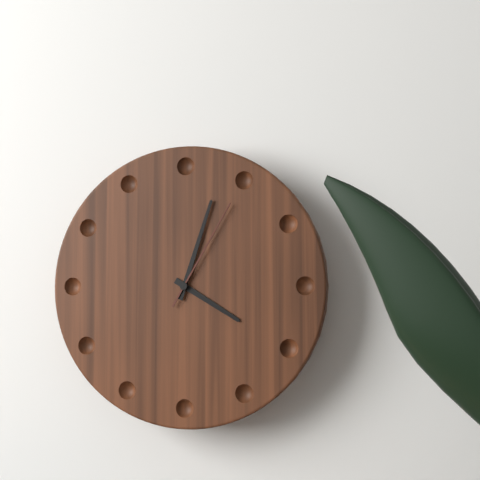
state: 4:03:05
